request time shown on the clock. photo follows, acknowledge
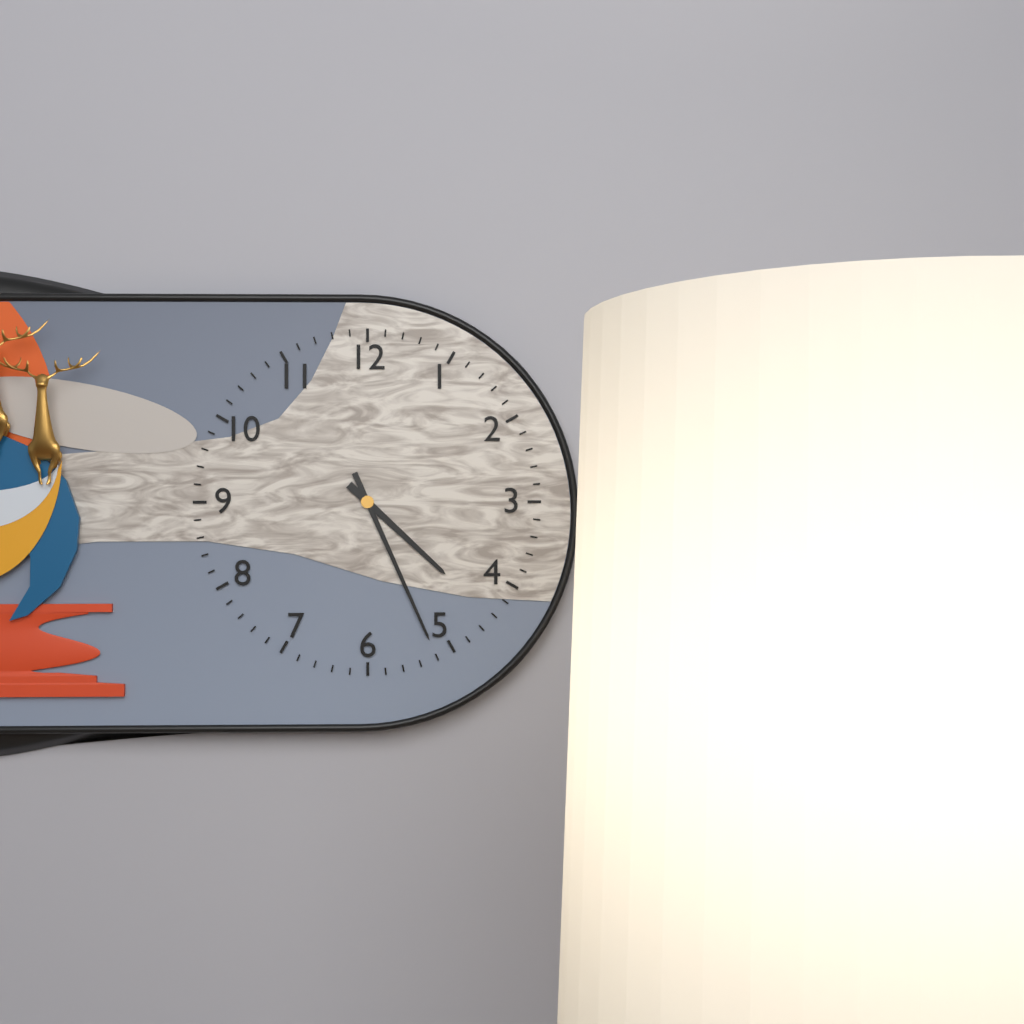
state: 4:26
